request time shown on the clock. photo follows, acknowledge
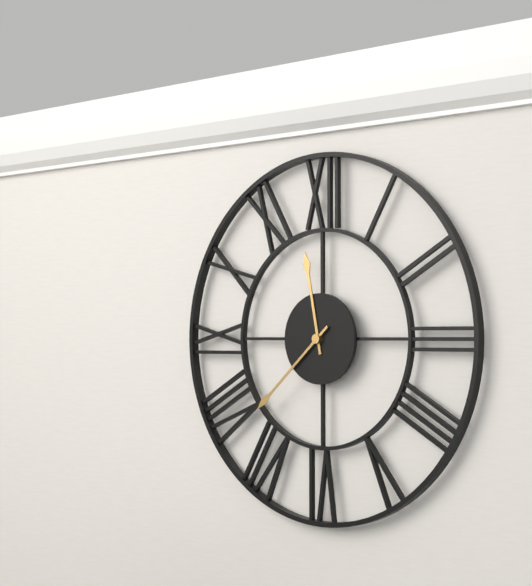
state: 11:38
